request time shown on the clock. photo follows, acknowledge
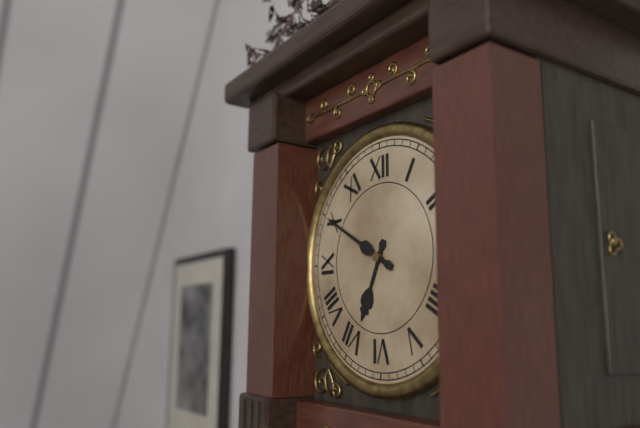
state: 6:50
